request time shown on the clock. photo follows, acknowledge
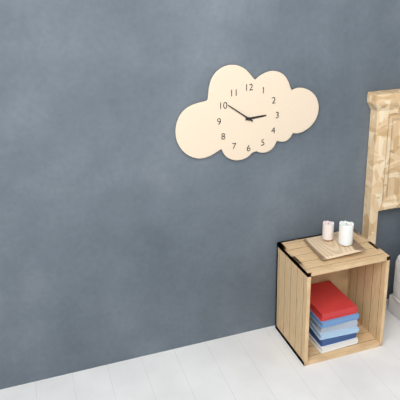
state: 2:51
